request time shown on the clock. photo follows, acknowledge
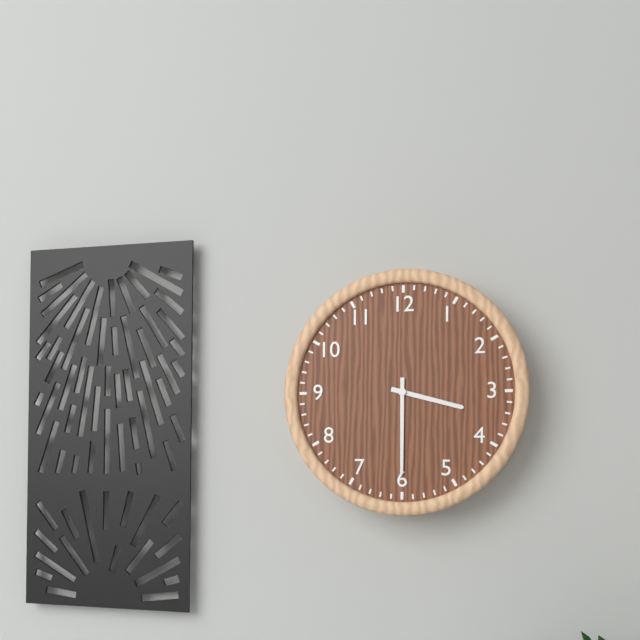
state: 3:30
